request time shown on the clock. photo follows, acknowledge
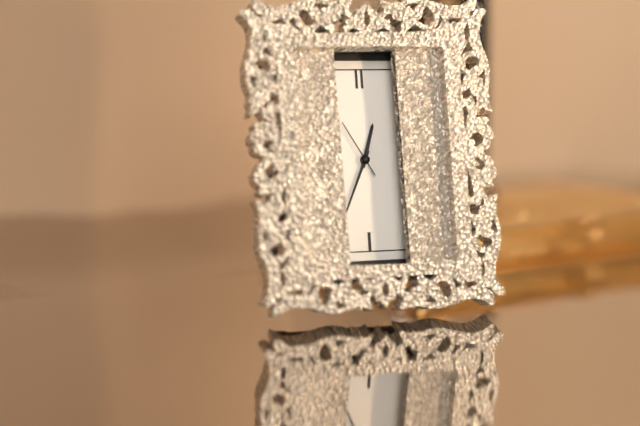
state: 12:34:55
